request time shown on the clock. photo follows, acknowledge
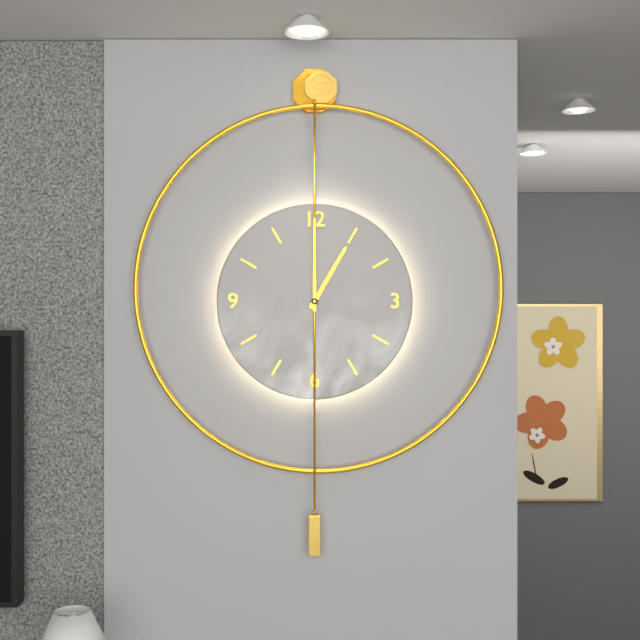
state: 1:00
